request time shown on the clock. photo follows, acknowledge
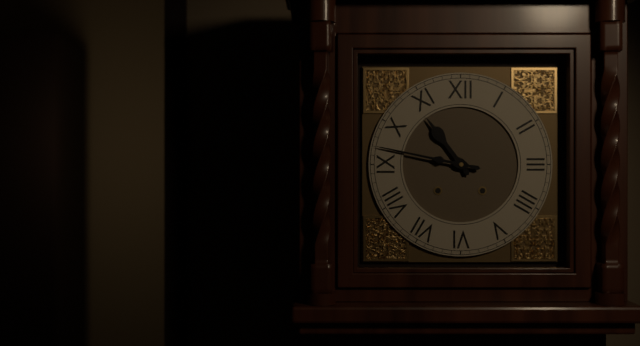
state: 10:47
